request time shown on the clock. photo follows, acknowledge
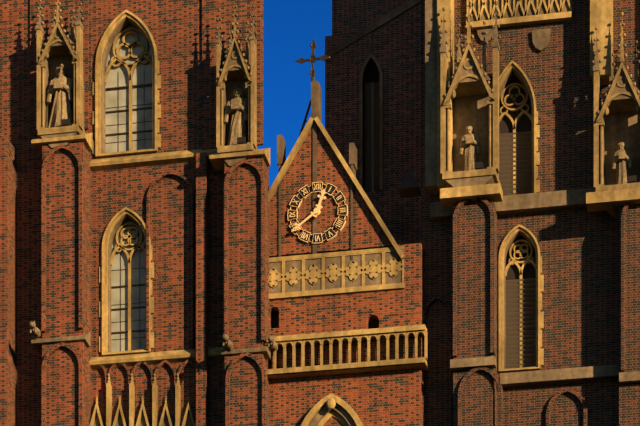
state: 12:39
